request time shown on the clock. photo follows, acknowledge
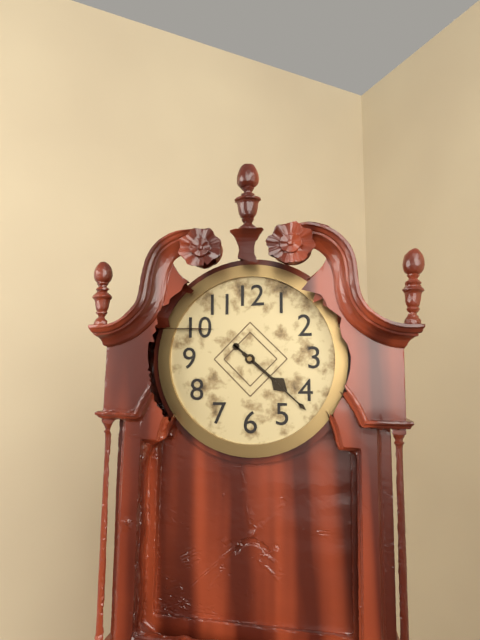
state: 4:22
